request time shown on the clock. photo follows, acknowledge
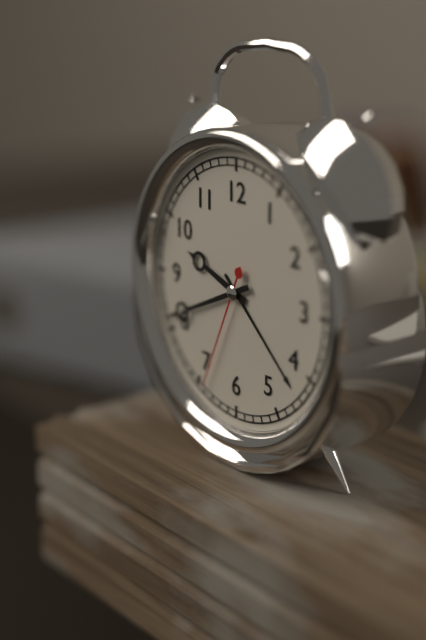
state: 9:41:34
